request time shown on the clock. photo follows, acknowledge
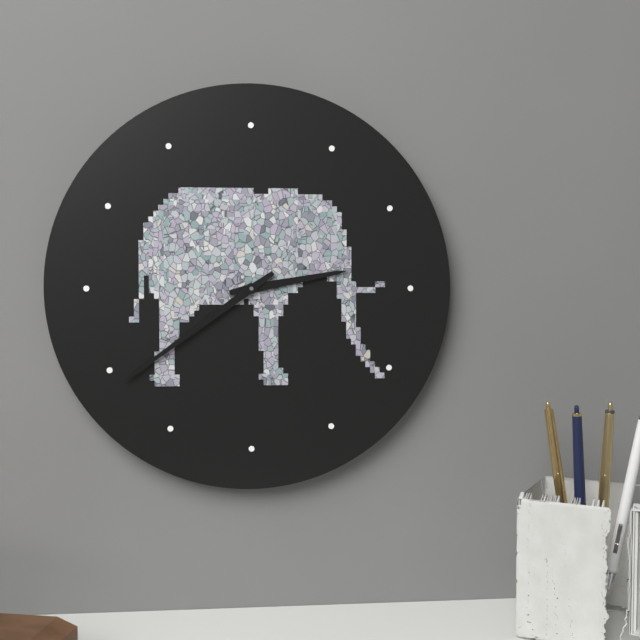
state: 2:39
